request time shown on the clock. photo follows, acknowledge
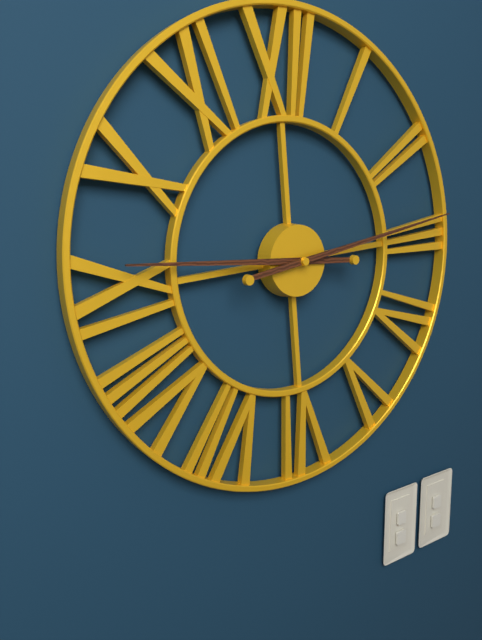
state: 9:14
